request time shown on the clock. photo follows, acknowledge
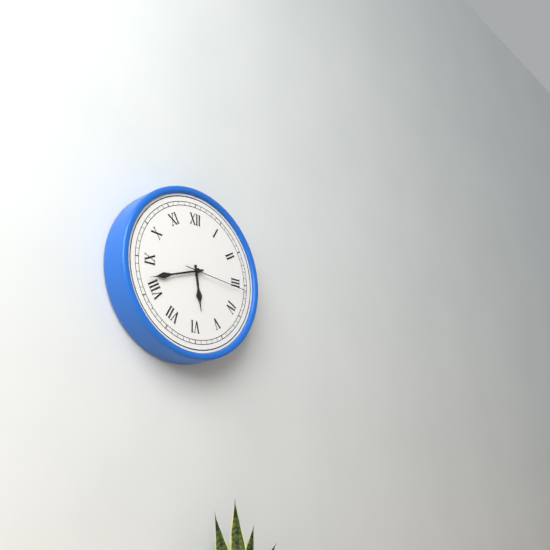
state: 5:42:16
